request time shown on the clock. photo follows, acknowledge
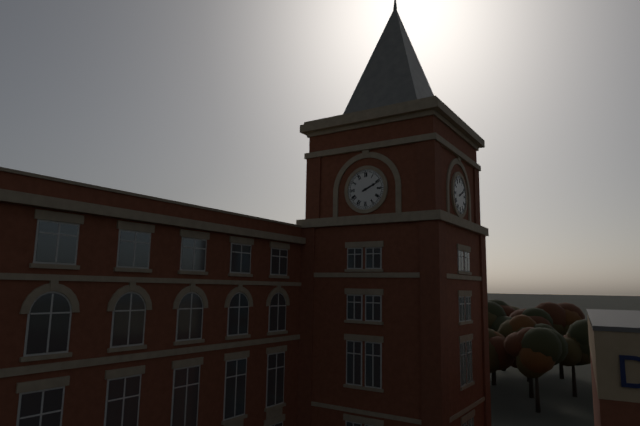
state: 2:11
